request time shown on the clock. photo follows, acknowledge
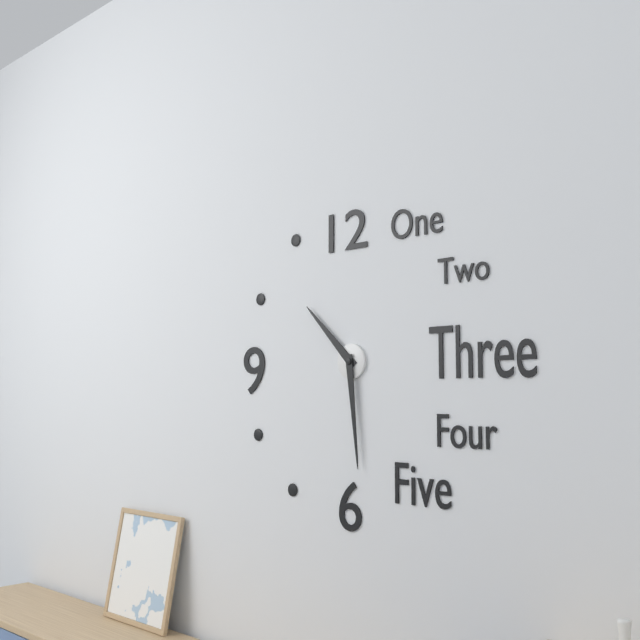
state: 10:29
